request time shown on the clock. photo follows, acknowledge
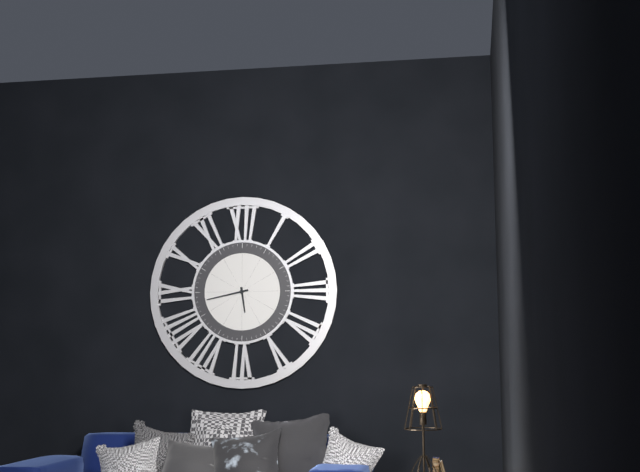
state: 5:43
